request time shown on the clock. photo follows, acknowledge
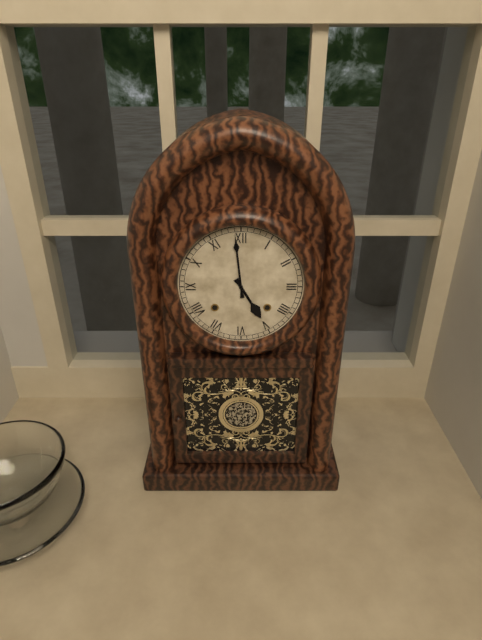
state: 4:59
